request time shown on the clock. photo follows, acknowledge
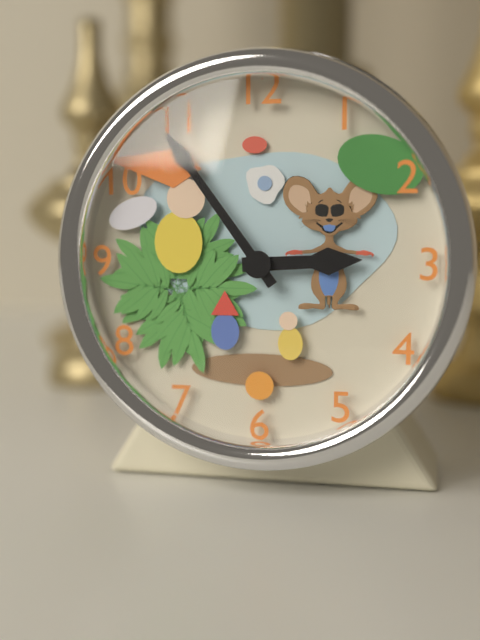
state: 2:54
